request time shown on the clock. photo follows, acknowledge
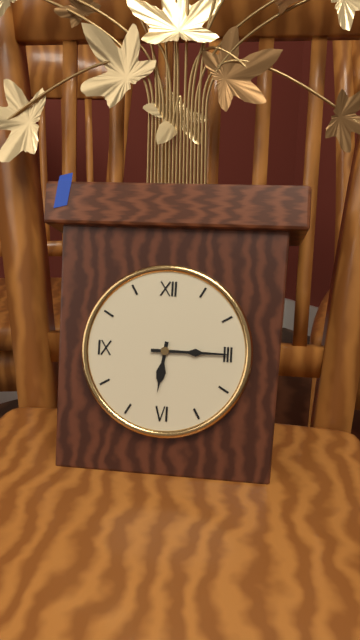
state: 6:15
